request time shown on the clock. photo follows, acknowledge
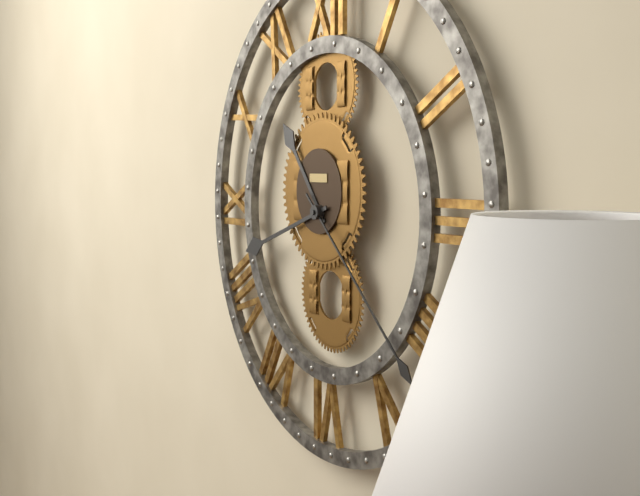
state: 10:42:22
